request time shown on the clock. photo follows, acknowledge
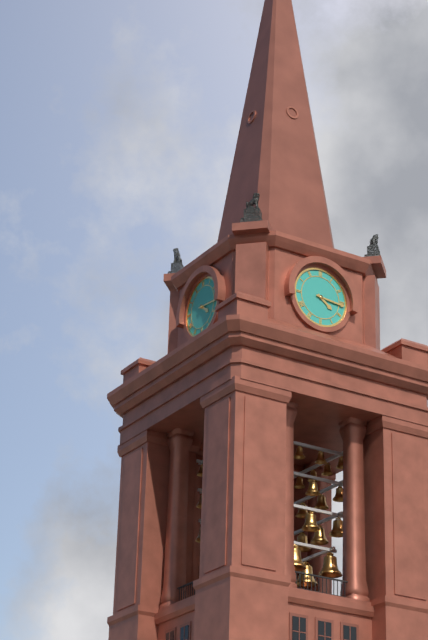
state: 4:16
